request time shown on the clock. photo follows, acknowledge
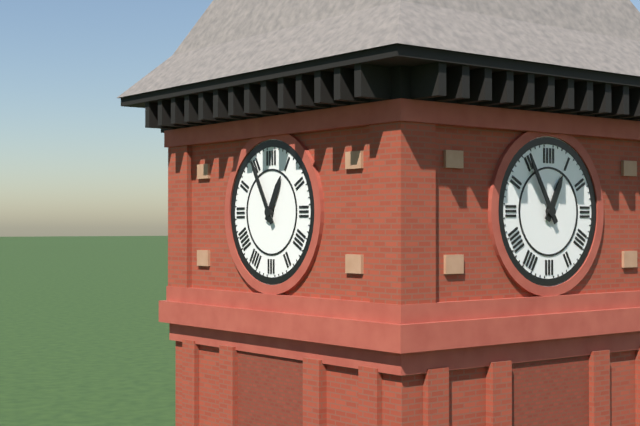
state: 12:55
